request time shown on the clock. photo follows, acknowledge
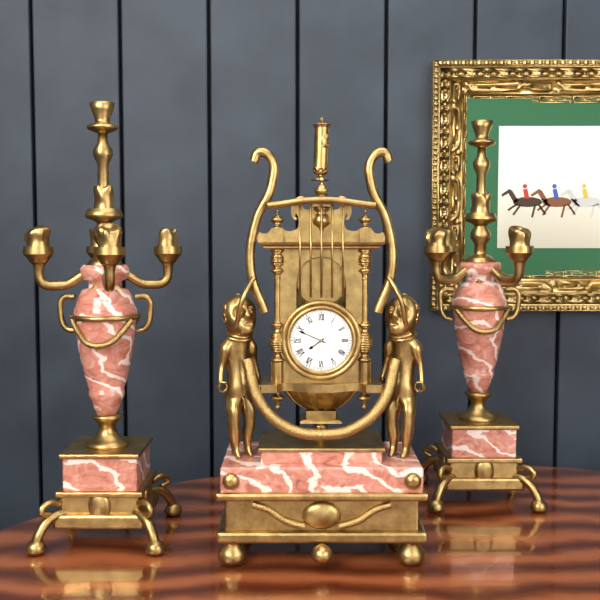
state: 7:49
